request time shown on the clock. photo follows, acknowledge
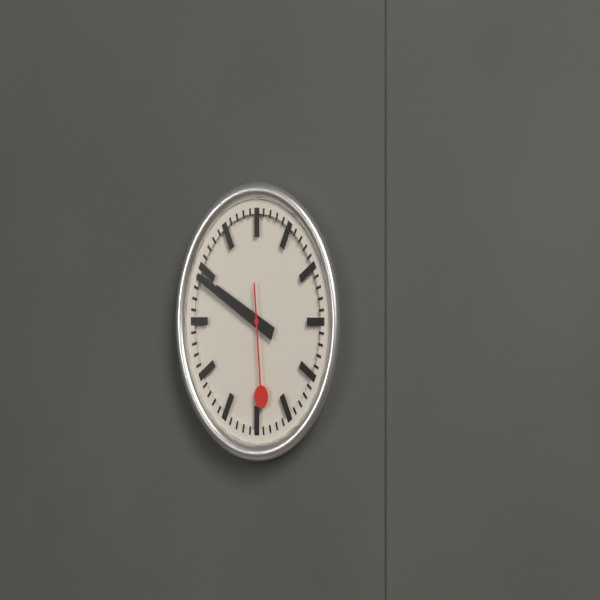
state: 9:49:29
